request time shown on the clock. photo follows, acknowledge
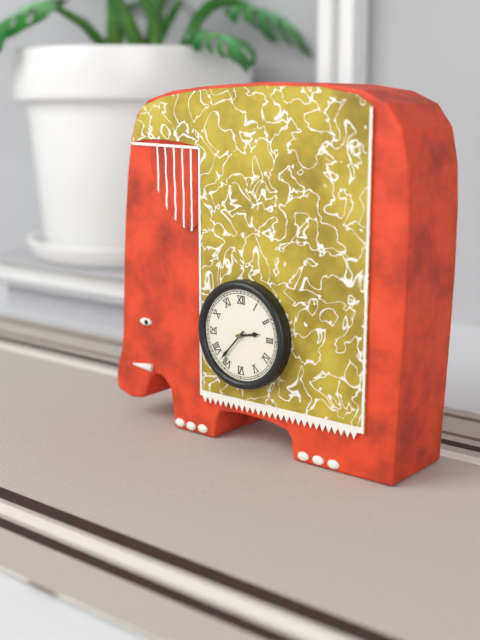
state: 2:37
